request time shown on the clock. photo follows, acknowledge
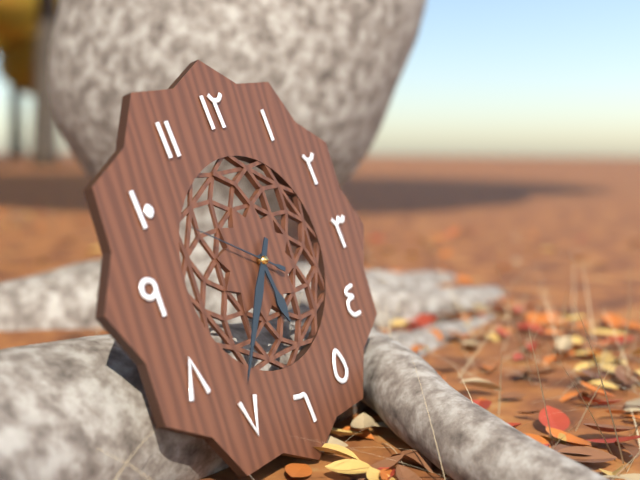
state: 5:36:50
